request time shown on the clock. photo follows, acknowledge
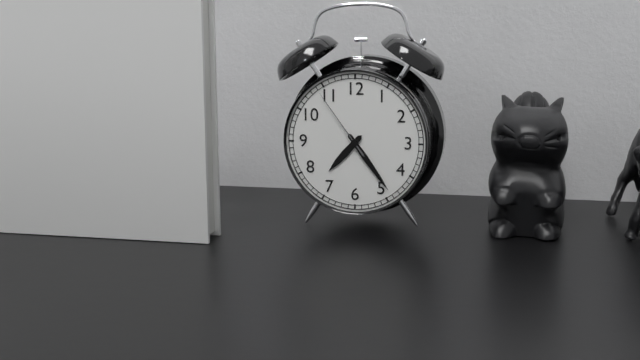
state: 7:24:54
